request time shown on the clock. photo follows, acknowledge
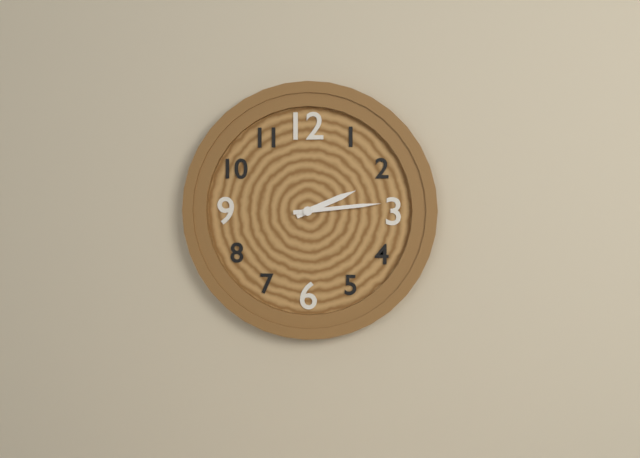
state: 2:14
